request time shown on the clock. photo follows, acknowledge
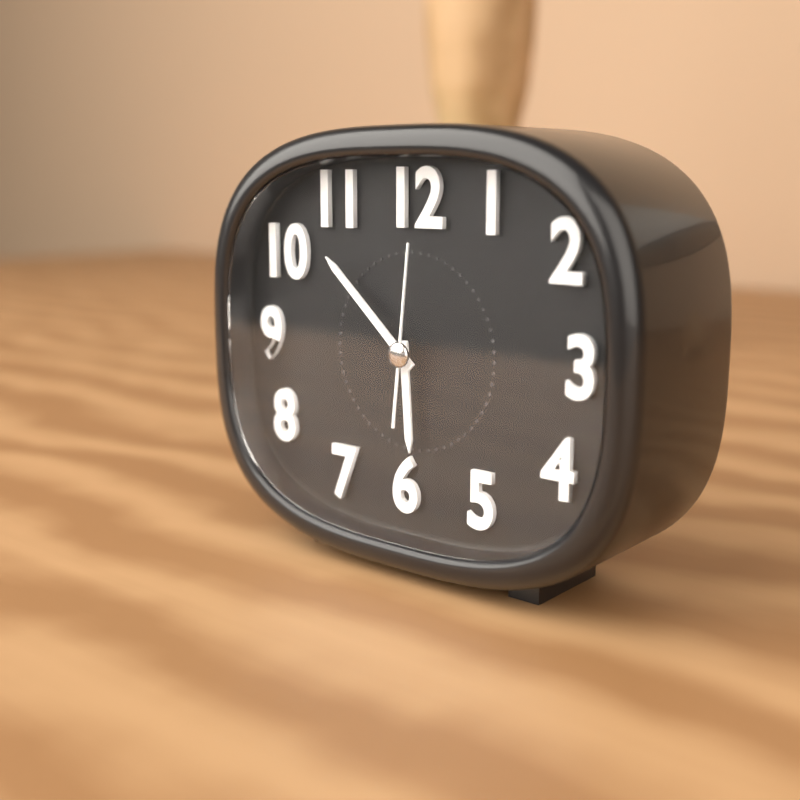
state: 5:52:01
